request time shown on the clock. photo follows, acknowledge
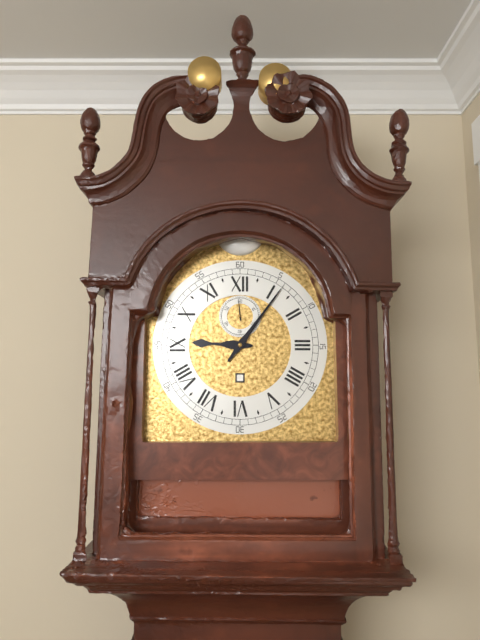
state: 9:06
